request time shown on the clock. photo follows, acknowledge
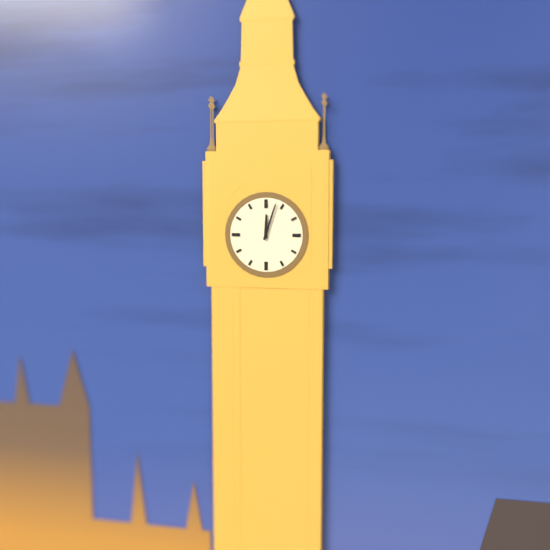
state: 12:03
